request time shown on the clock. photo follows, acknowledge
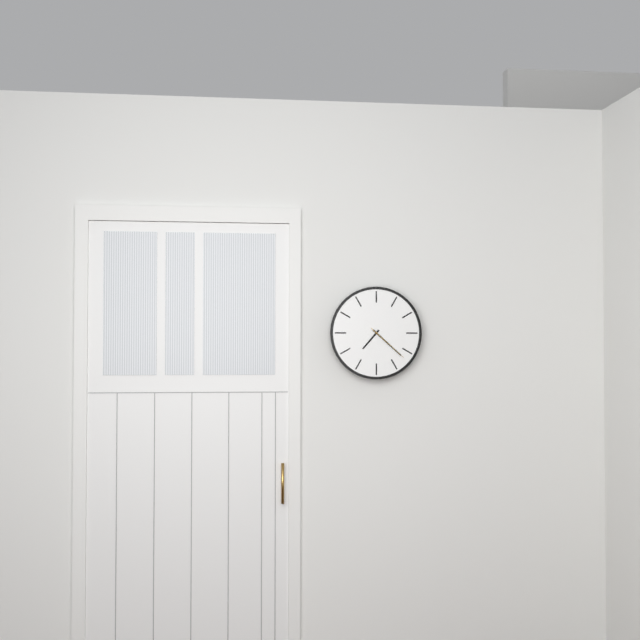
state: 7:22
